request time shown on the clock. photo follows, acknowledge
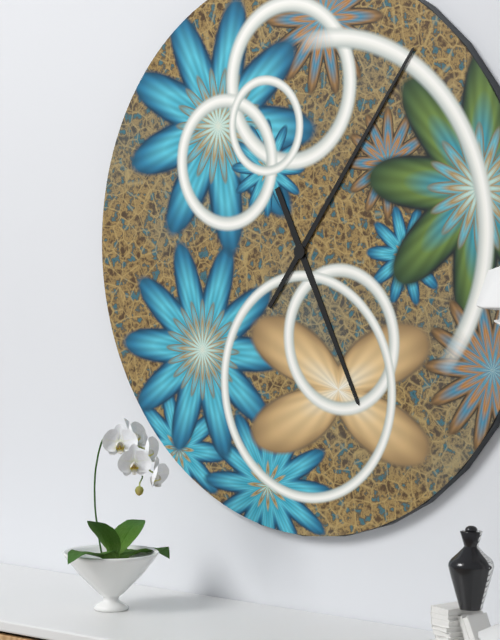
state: 5:06
